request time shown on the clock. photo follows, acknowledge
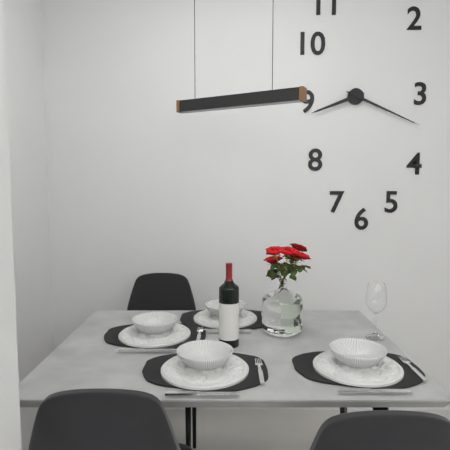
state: 8:19
